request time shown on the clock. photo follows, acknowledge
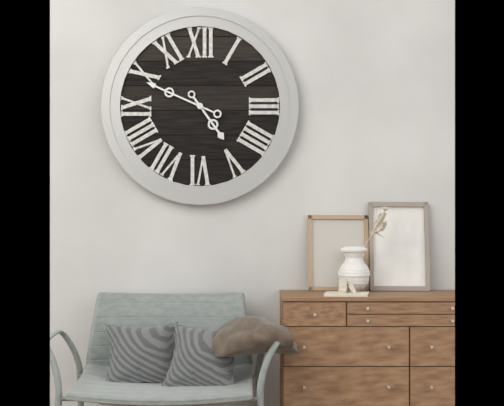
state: 4:49
